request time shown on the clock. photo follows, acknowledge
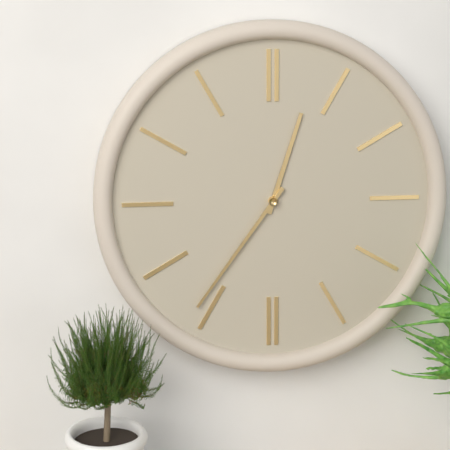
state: 12:36
